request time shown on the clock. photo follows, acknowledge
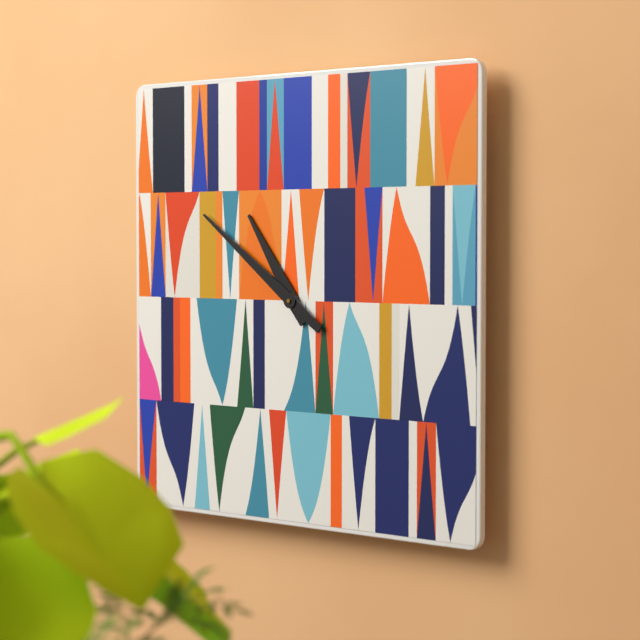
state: 10:51
